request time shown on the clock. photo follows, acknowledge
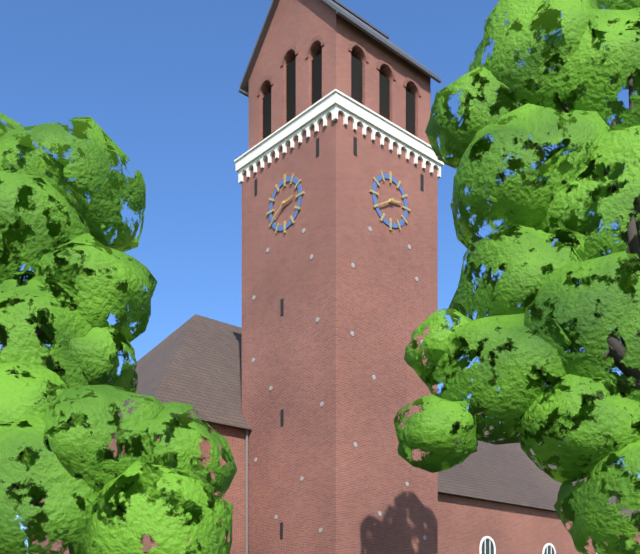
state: 2:40
